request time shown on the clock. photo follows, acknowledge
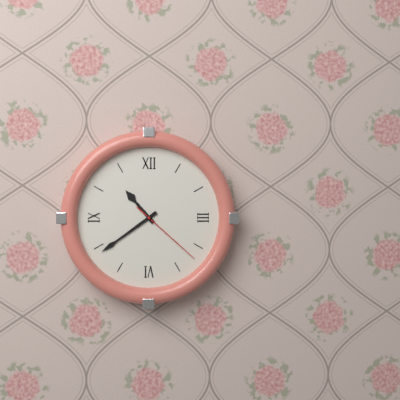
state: 10:39:22
